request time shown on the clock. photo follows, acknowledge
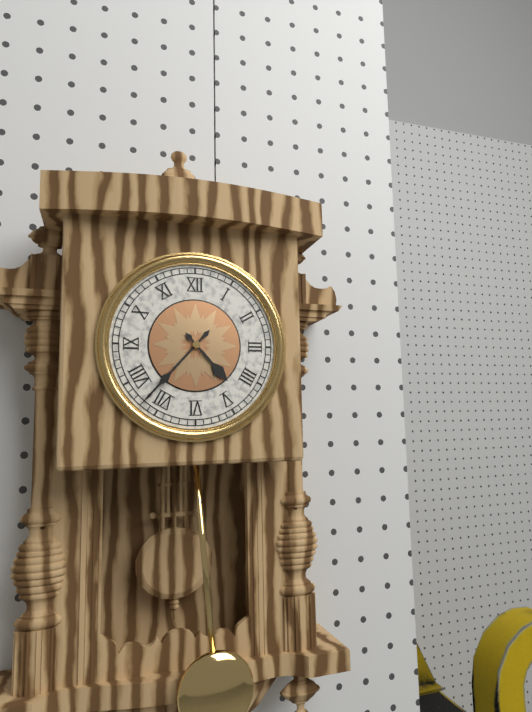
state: 4:37
